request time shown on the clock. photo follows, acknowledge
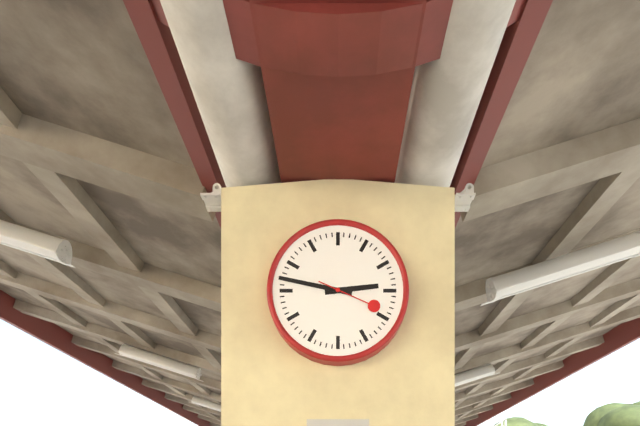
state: 2:47:19
